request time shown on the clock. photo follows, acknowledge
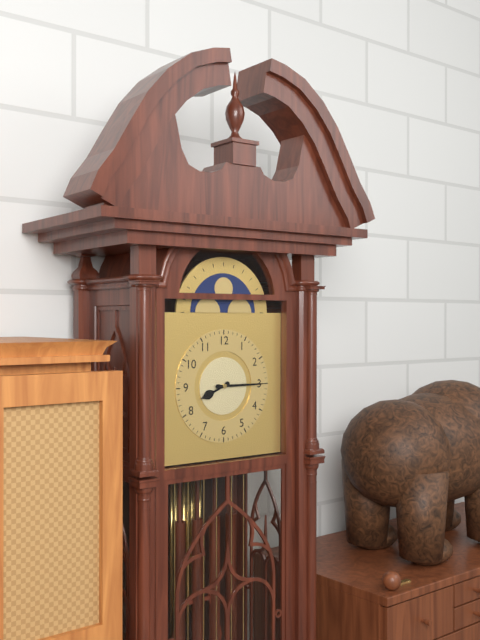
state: 8:15
